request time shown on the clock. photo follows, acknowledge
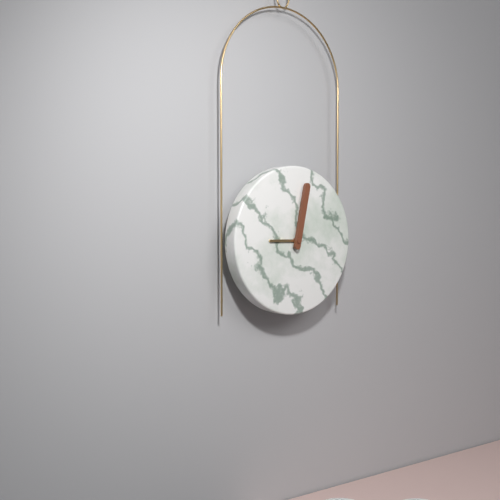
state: 9:02
